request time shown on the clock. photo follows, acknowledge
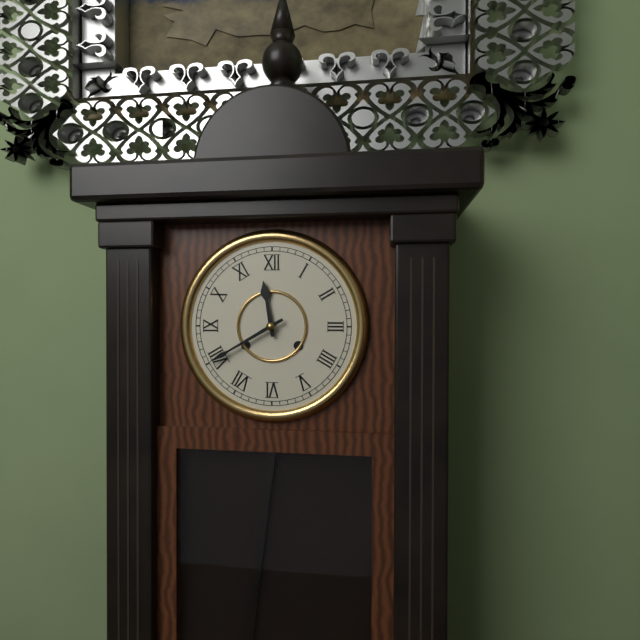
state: 11:40
